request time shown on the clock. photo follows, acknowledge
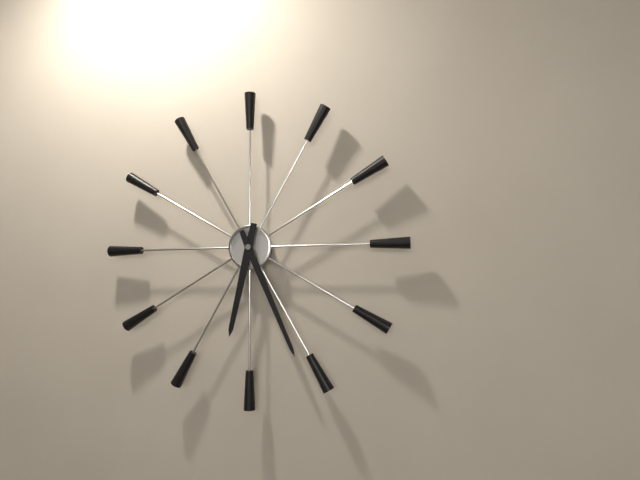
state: 6:26
